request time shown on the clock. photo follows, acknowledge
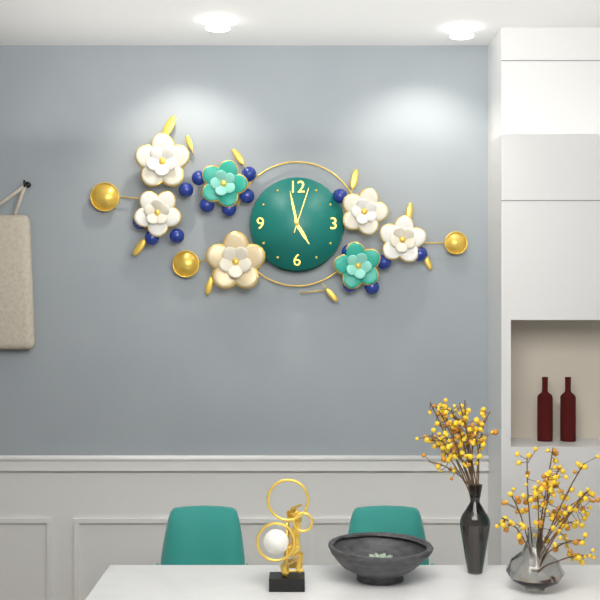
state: 4:58
